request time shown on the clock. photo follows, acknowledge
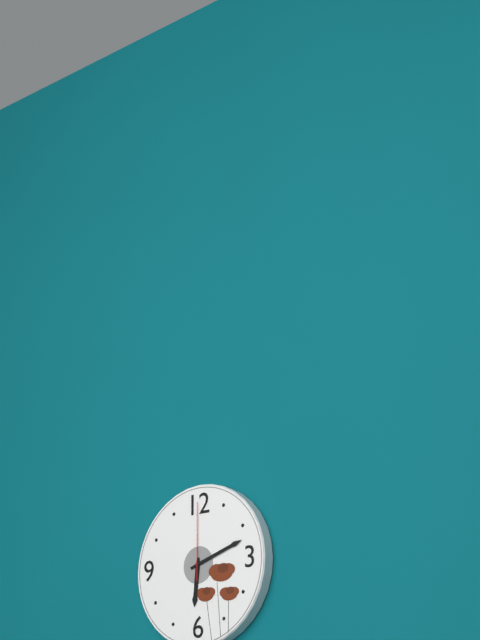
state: 6:12:00
